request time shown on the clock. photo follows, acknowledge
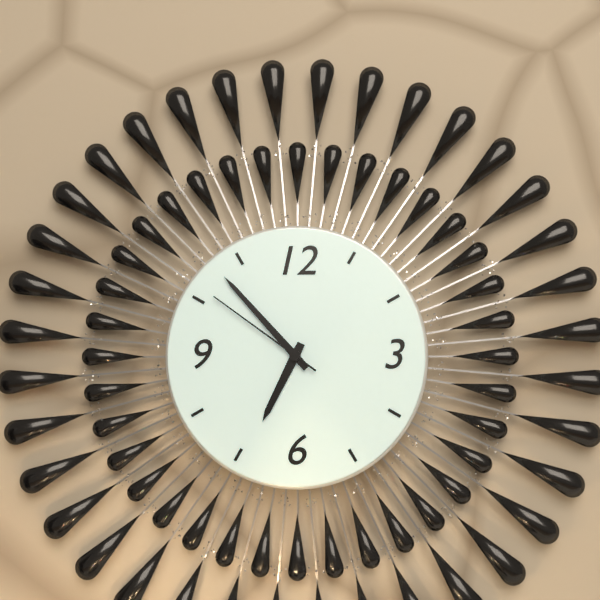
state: 6:53:51
